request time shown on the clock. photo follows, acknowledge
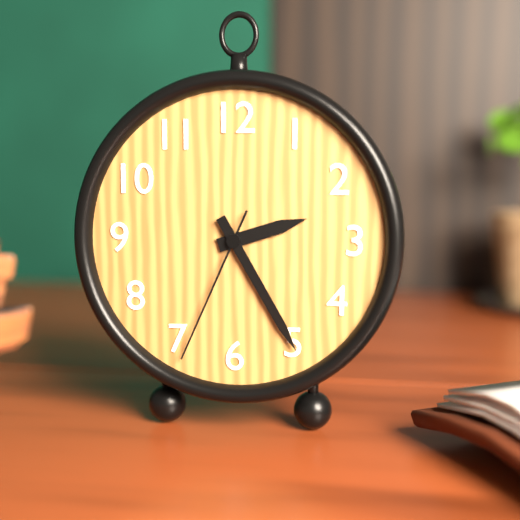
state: 2:25:34
